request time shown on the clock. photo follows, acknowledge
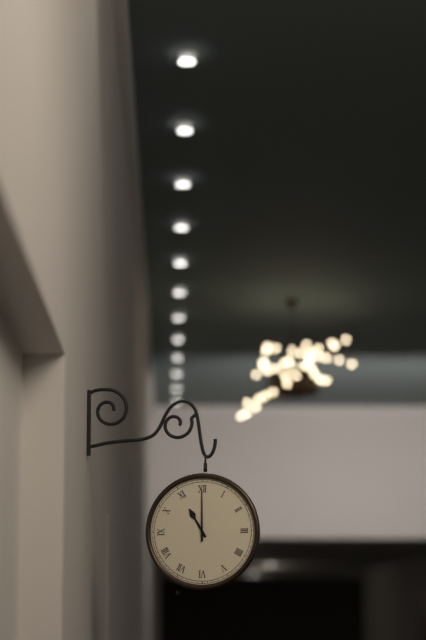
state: 11:00
